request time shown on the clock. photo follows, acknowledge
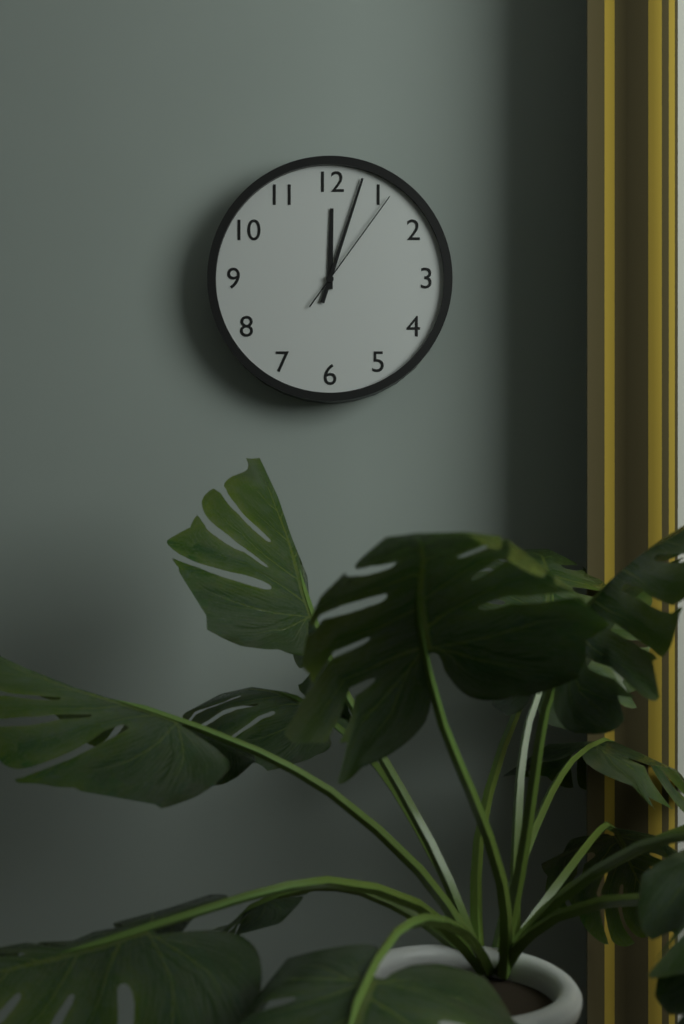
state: 12:03:06
